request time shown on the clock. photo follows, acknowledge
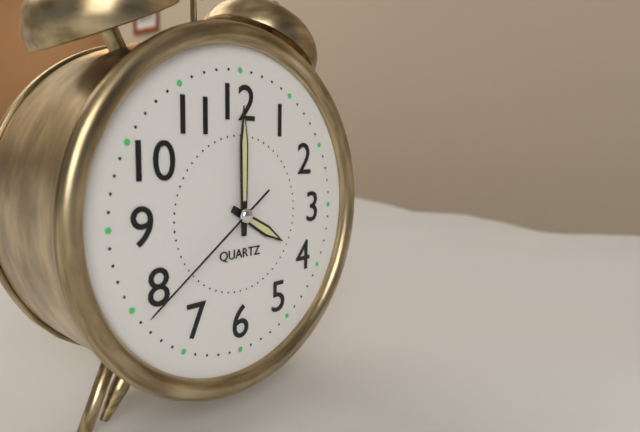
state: 4:00:39
